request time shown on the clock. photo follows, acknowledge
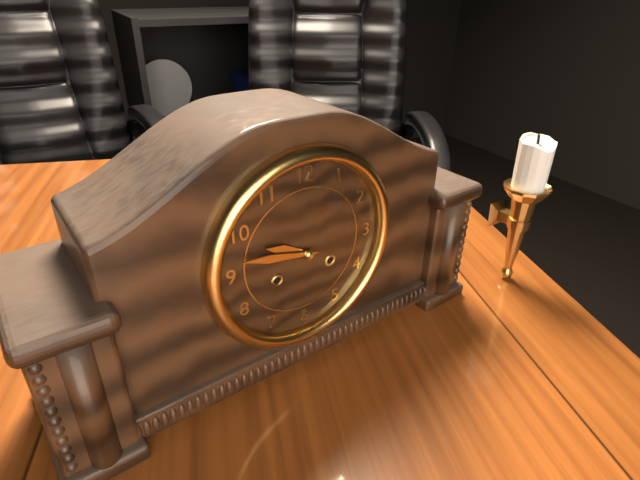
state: 9:47
